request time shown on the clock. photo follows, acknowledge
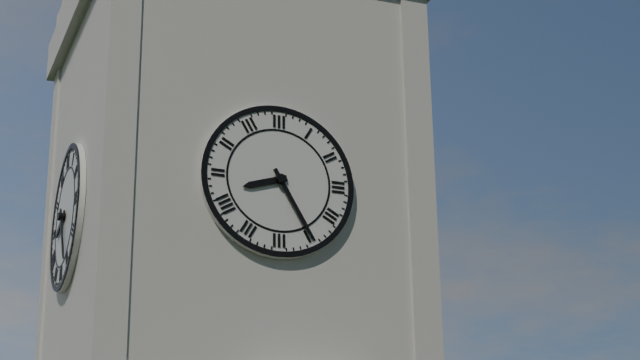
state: 8:25
